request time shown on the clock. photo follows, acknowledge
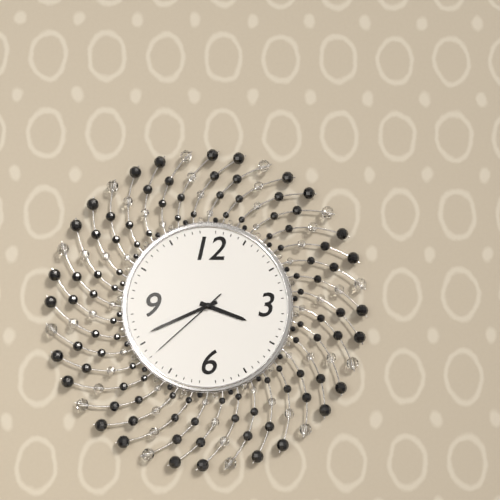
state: 3:41:38
